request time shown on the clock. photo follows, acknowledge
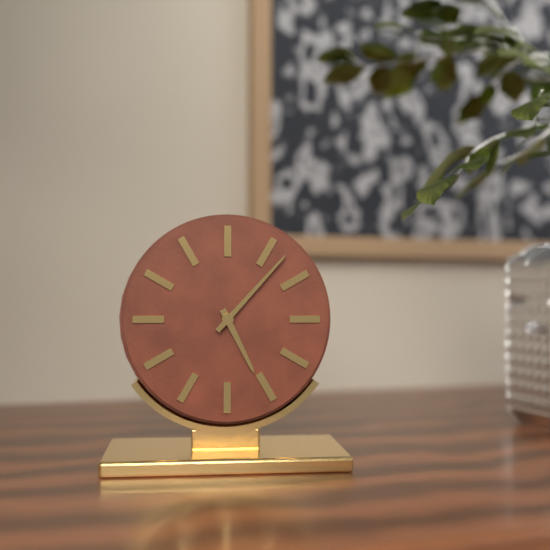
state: 5:07
